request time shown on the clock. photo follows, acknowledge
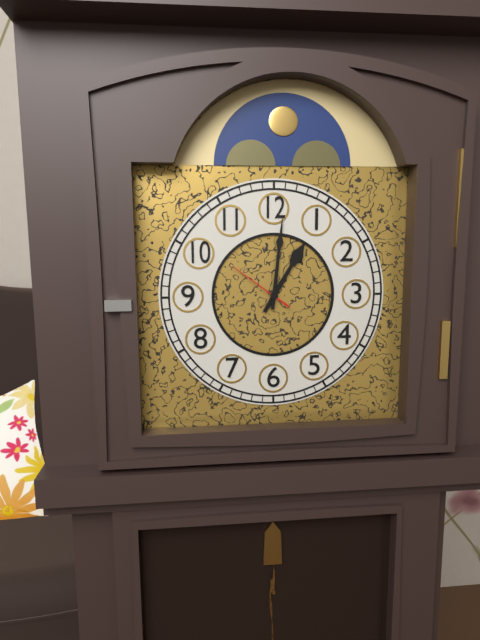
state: 1:01:51
